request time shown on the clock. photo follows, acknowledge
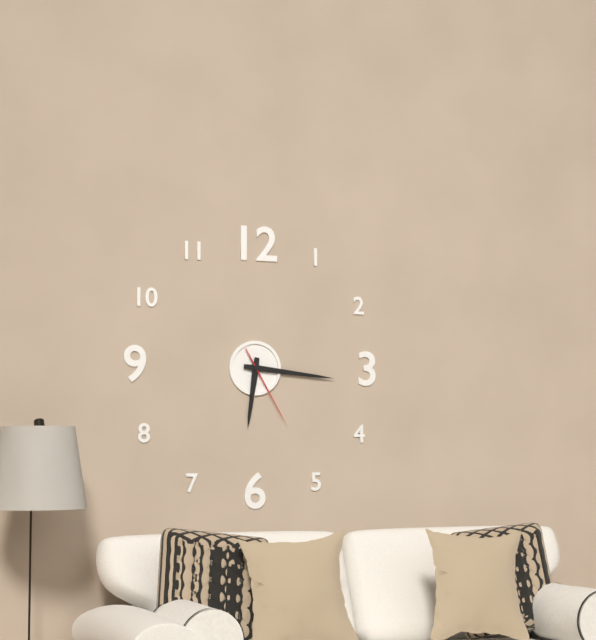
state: 6:16:25
